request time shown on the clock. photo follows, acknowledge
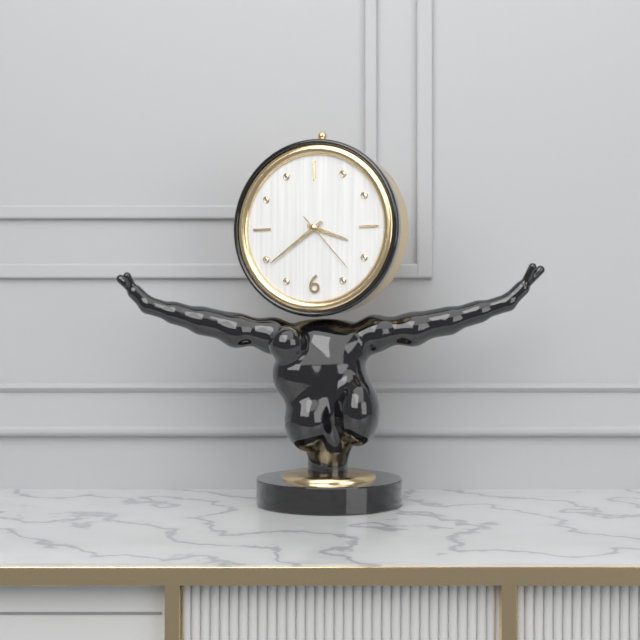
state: 3:39:23
